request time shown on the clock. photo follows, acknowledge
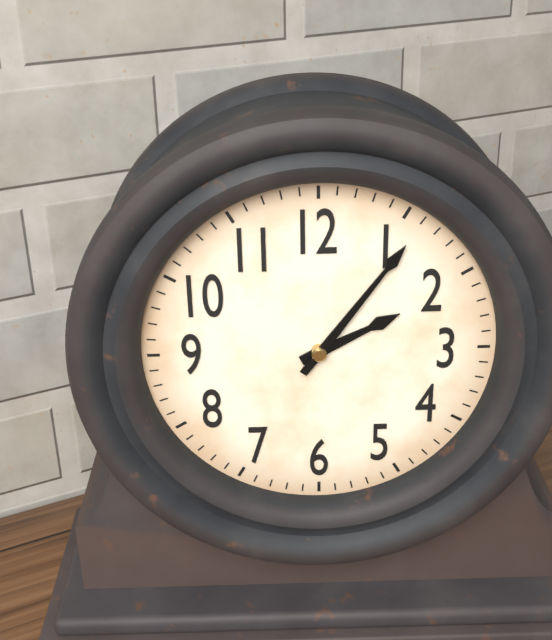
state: 2:06
